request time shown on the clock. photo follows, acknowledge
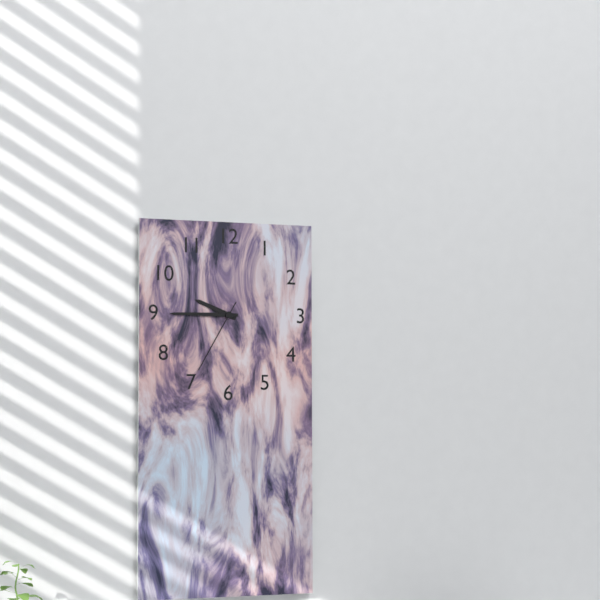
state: 9:45:35
